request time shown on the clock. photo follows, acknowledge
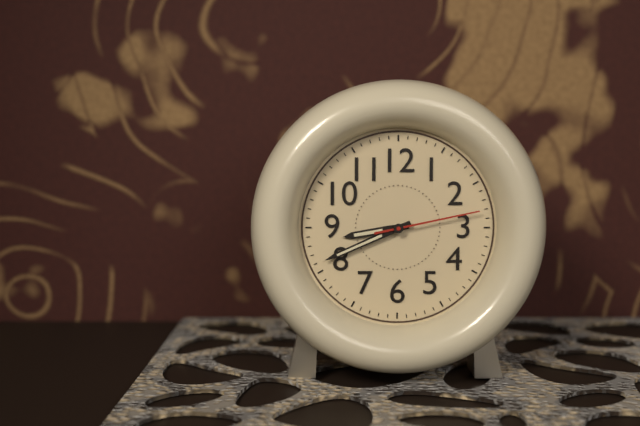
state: 8:41:13
